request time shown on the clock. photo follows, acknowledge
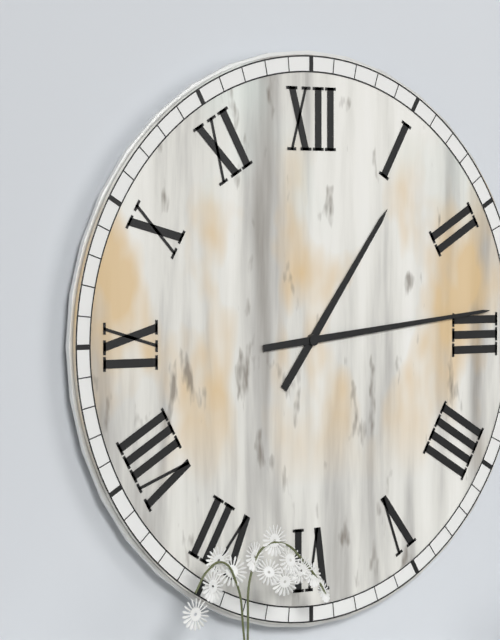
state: 1:14
